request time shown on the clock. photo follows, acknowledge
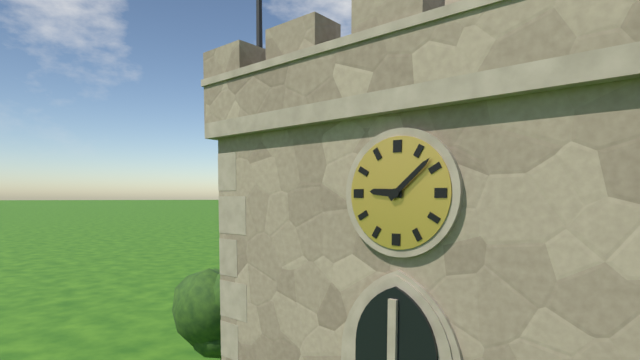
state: 9:08
